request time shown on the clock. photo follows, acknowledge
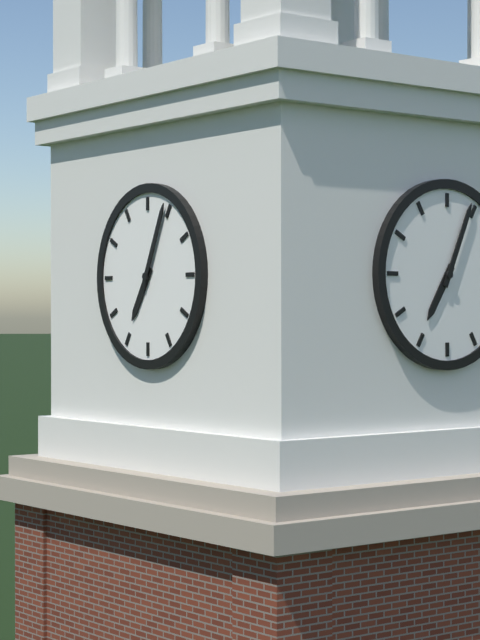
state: 7:04
